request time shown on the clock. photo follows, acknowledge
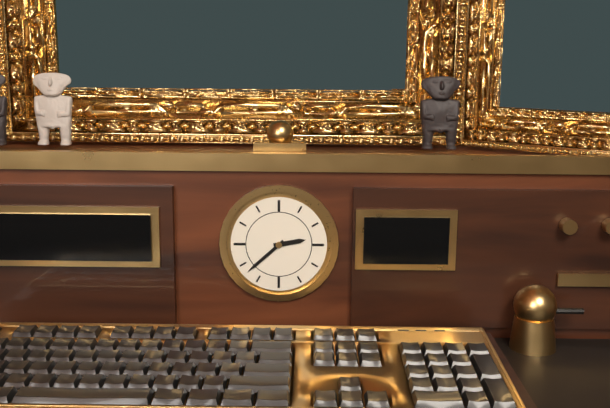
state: 2:38
